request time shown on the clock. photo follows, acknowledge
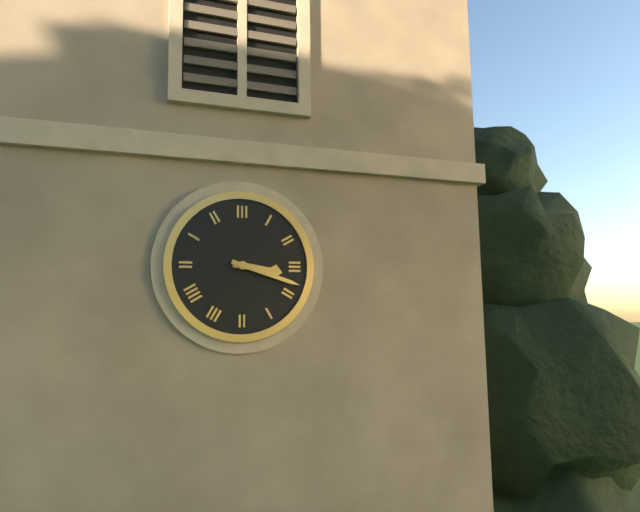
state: 3:18
